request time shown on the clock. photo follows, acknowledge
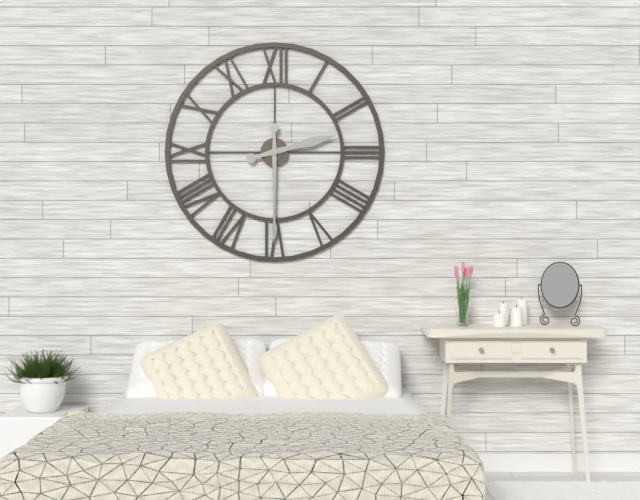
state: 2:30
